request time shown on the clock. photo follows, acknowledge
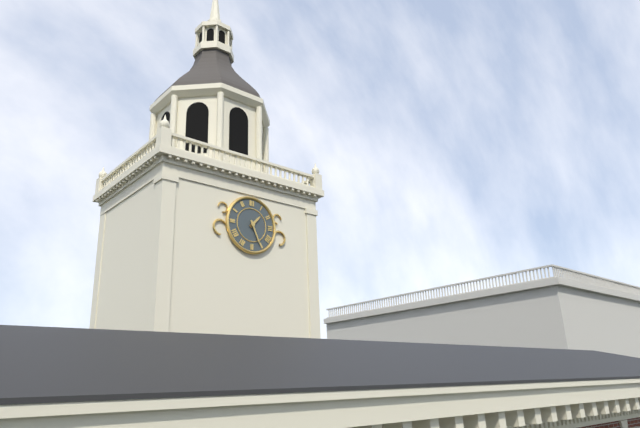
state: 1:26
